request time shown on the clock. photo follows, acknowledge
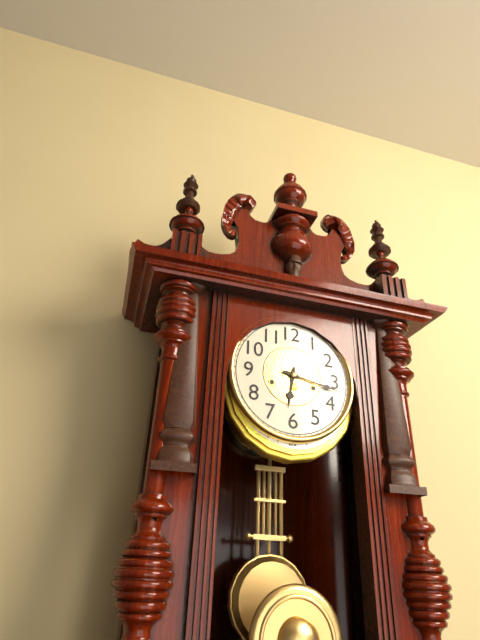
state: 6:17
